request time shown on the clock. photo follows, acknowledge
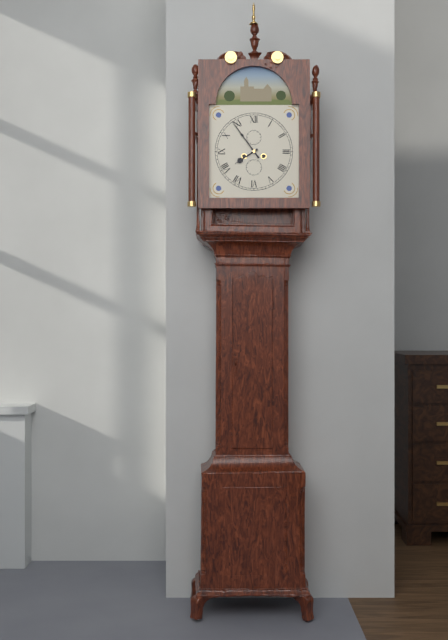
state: 7:54
